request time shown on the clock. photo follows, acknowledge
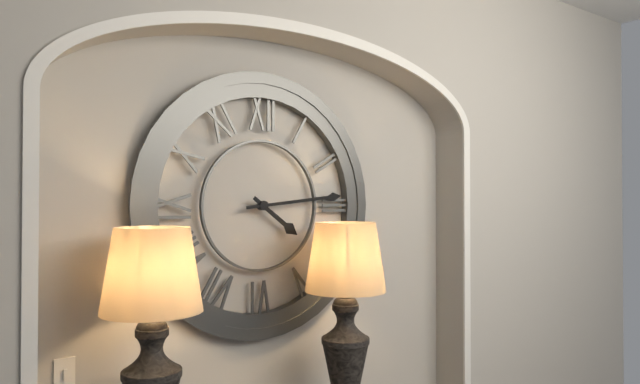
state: 4:14
